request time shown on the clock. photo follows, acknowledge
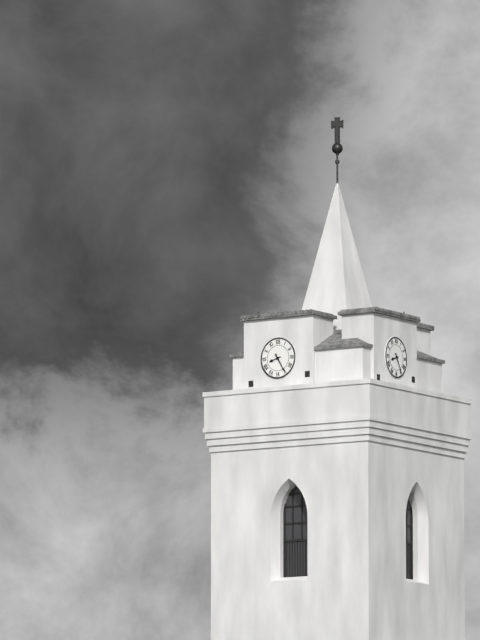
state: 8:25
